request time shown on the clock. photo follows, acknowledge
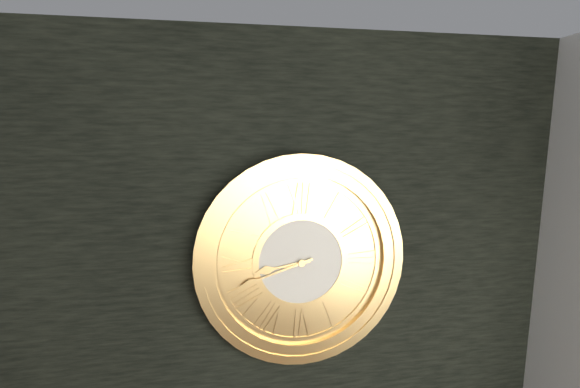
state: 8:42
